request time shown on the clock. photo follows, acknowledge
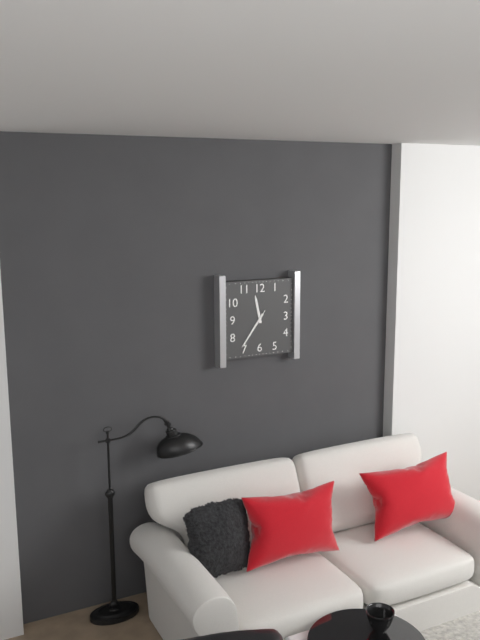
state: 11:36
